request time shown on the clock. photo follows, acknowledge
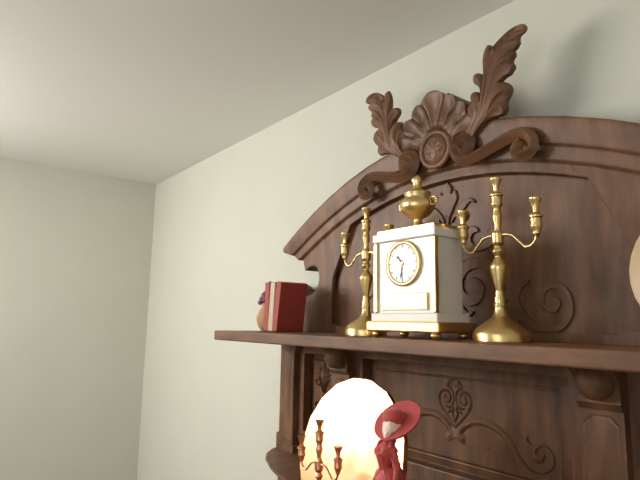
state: 10:31
